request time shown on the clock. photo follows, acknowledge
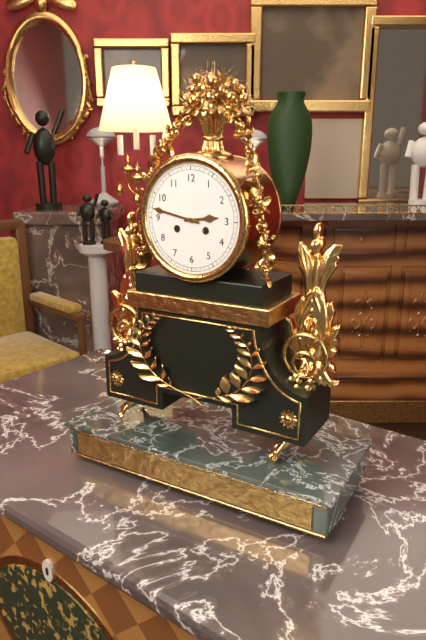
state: 2:47
